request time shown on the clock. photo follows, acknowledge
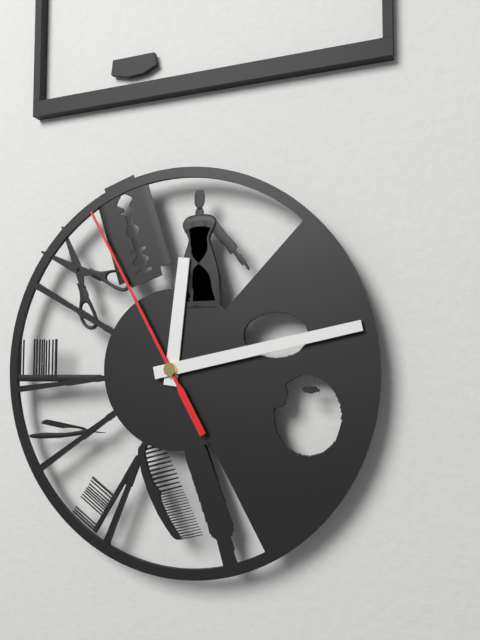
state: 12:13:55
